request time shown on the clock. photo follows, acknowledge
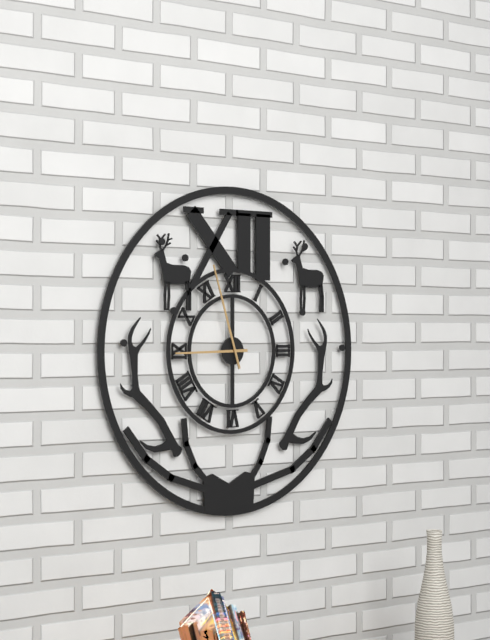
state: 8:57
